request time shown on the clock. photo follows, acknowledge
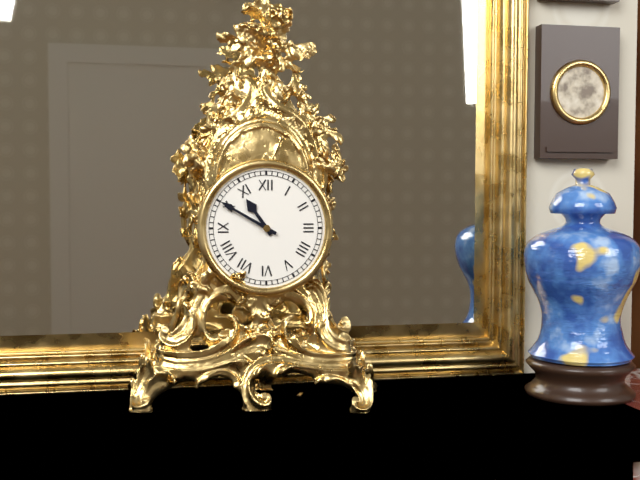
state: 10:50
